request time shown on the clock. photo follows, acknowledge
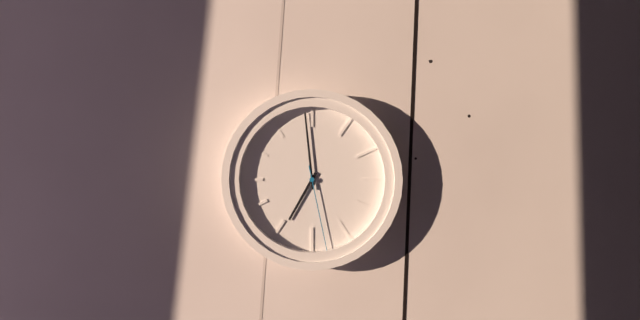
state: 6:59:28
